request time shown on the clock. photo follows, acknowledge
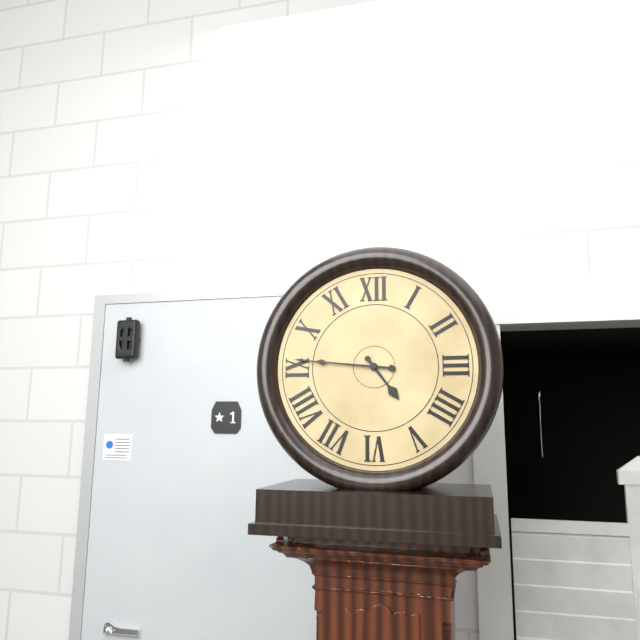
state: 4:46
